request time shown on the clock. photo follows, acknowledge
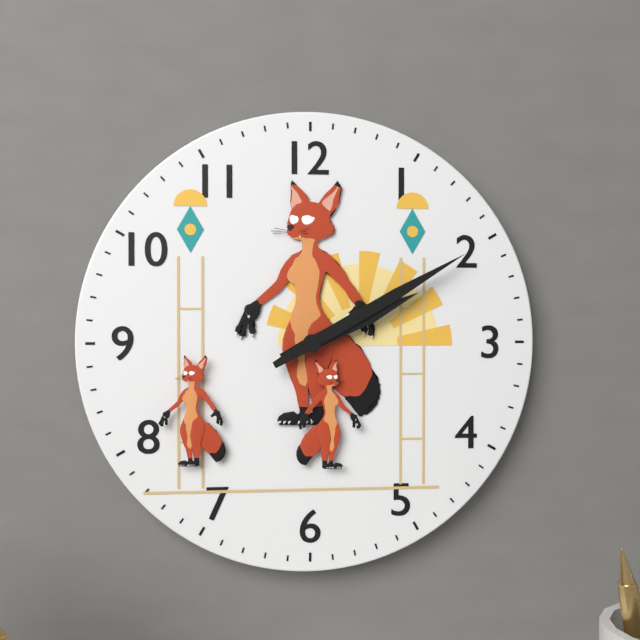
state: 2:10
